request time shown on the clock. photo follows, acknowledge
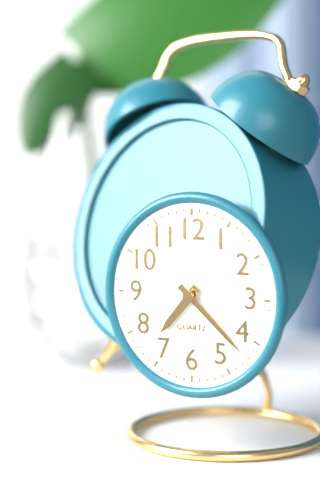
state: 7:22
